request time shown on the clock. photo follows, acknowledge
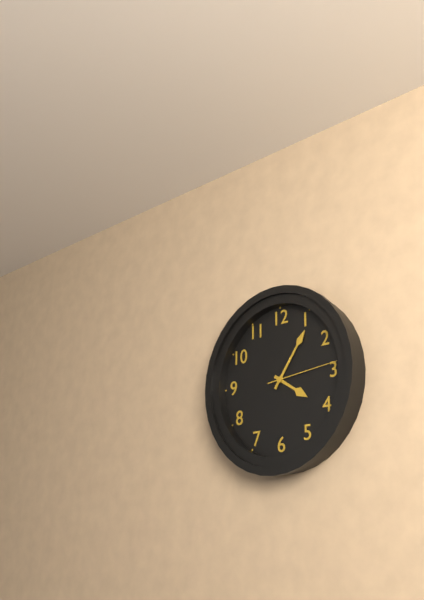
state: 4:06:14
